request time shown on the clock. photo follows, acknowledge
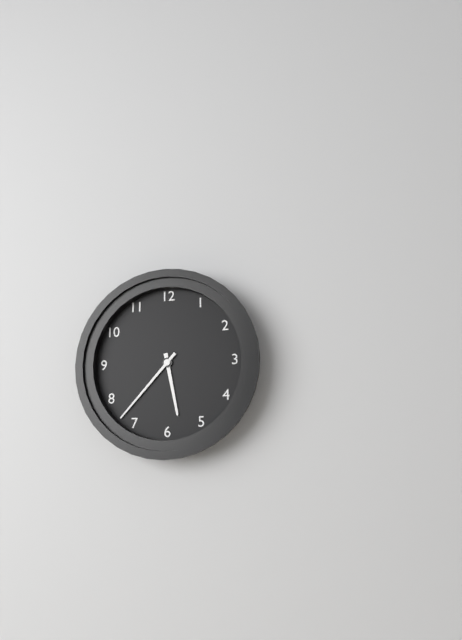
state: 5:37
